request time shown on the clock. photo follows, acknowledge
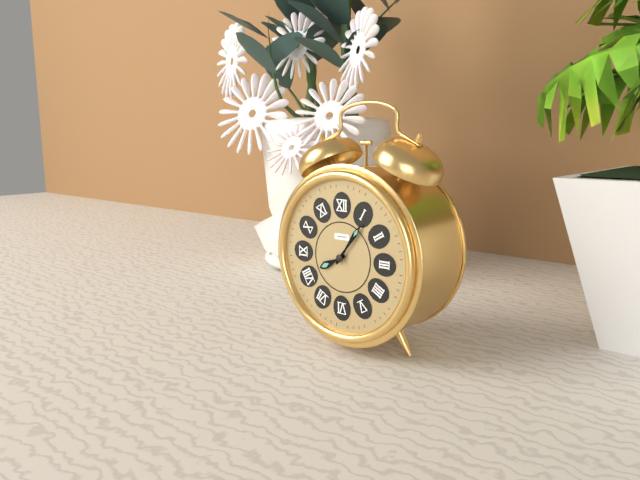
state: 8:06
